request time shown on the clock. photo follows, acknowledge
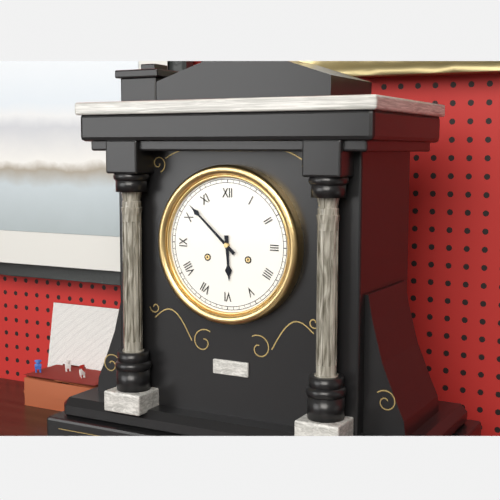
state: 5:52
